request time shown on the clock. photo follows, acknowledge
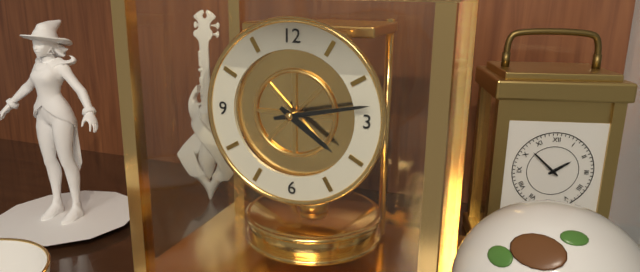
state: 4:13
